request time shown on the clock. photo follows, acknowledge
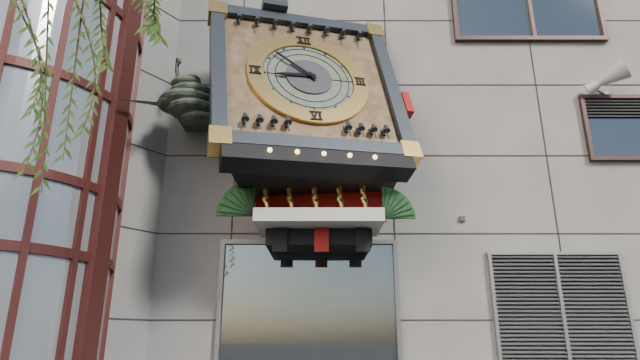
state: 8:52
